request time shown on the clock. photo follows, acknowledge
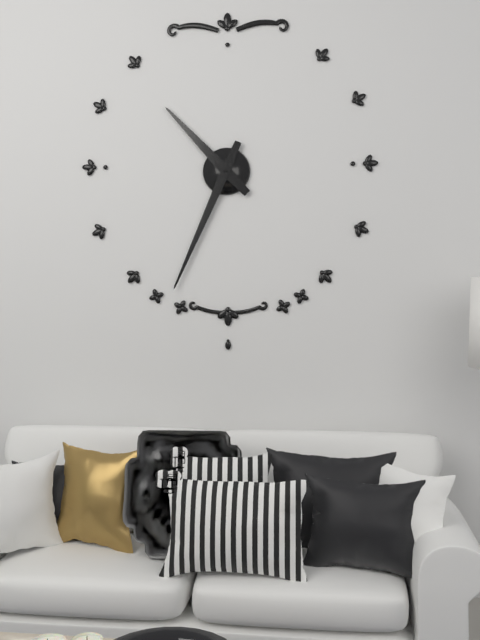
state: 10:34
